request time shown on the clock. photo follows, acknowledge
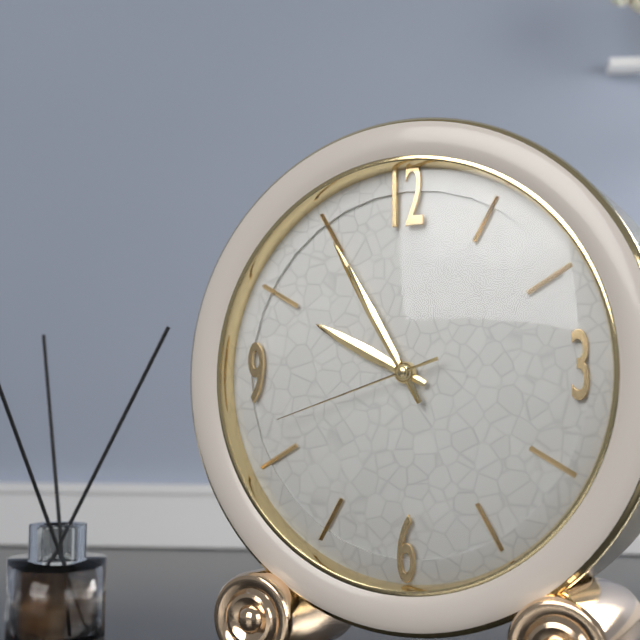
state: 9:55:42
